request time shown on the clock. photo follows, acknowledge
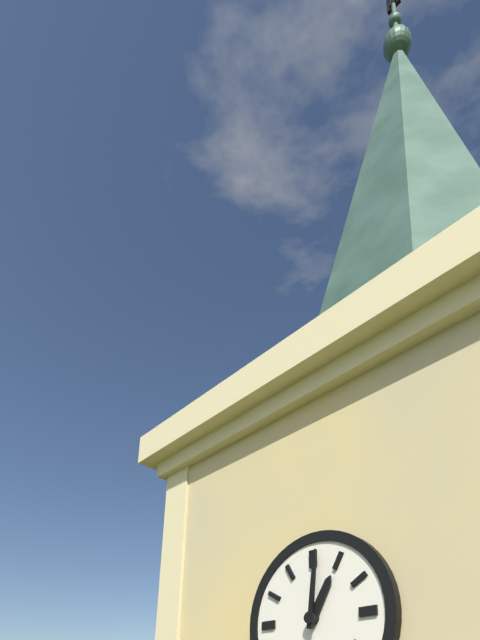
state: 1:01
